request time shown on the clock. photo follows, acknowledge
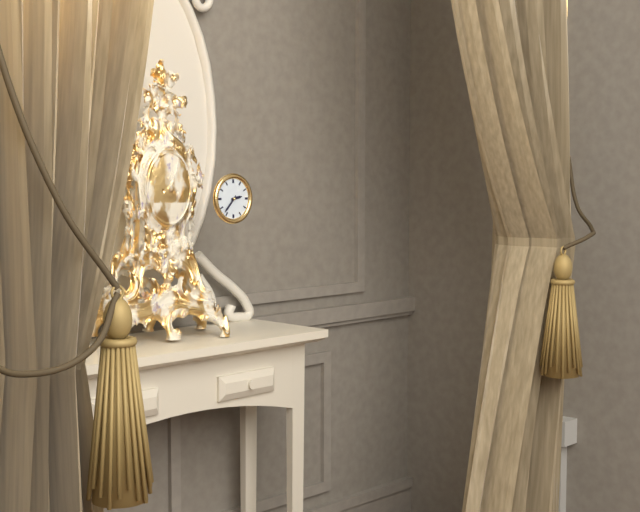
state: 2:37
